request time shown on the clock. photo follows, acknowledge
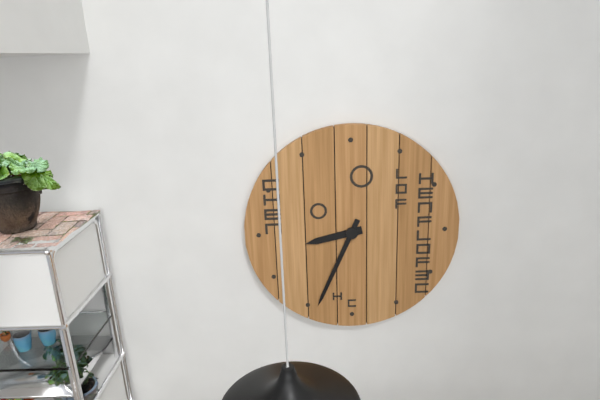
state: 8:34
